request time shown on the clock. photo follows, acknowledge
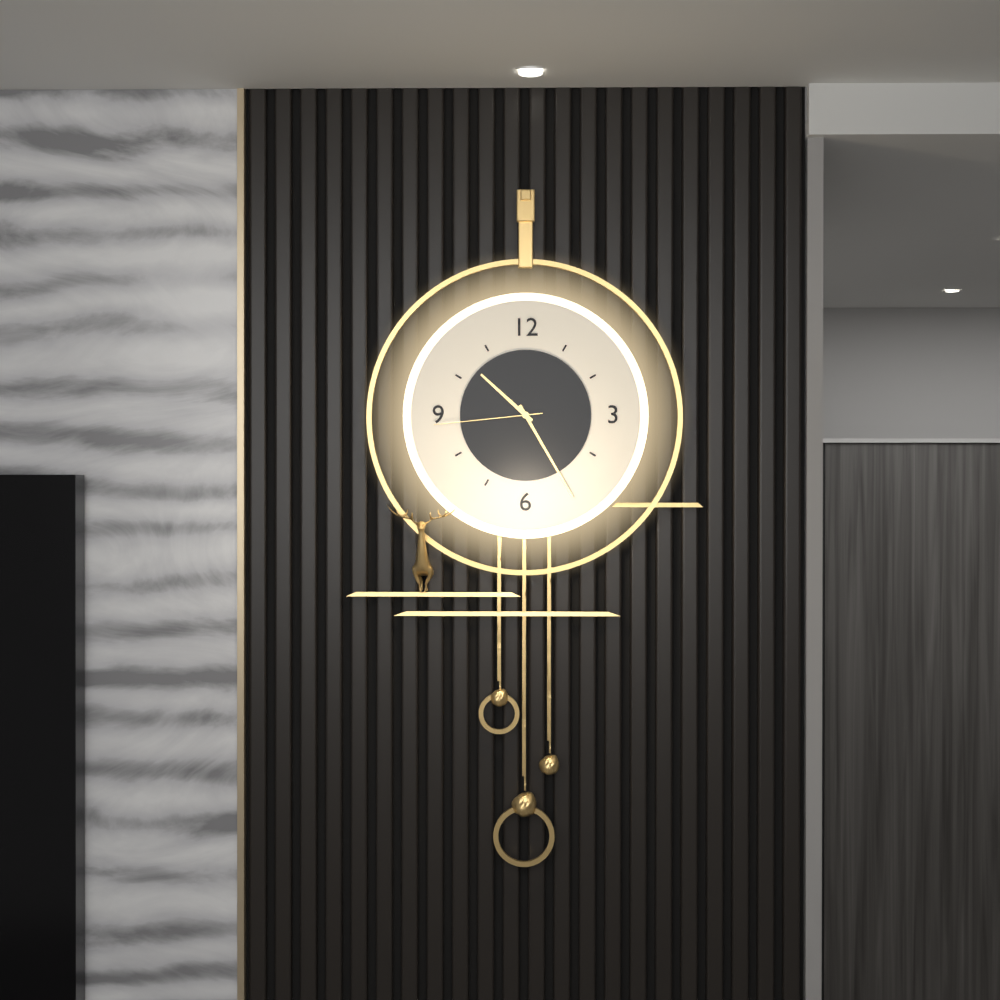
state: 10:25:44
